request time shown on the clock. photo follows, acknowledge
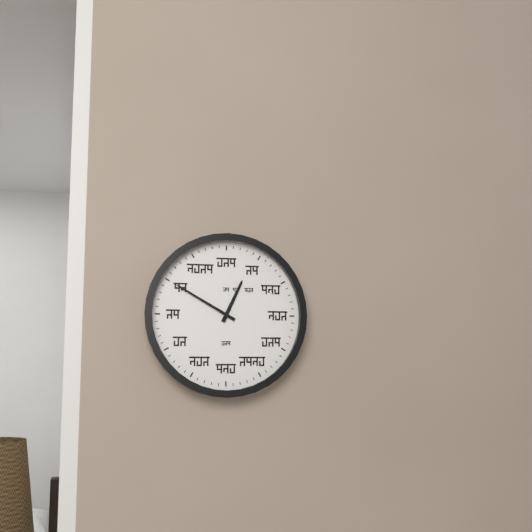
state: 12:50
